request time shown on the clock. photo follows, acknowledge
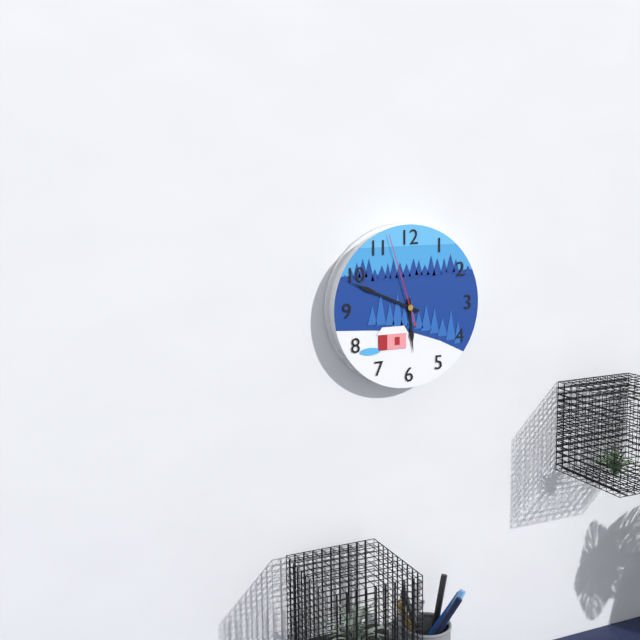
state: 5:49:57
